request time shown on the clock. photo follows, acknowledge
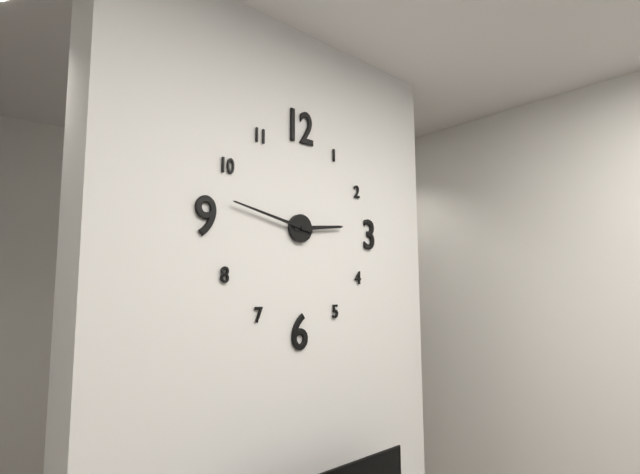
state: 2:47
